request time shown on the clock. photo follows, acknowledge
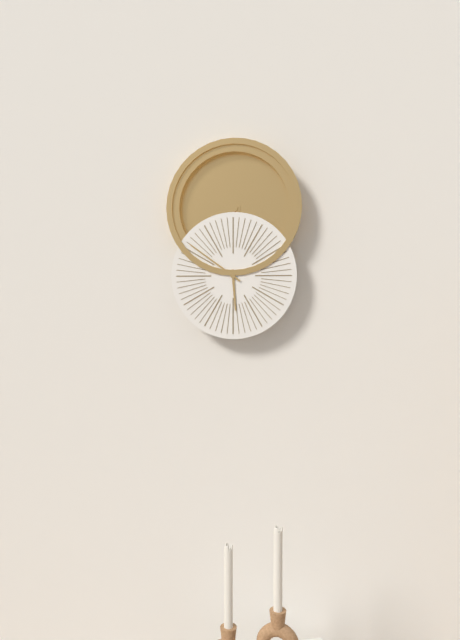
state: 5:51
